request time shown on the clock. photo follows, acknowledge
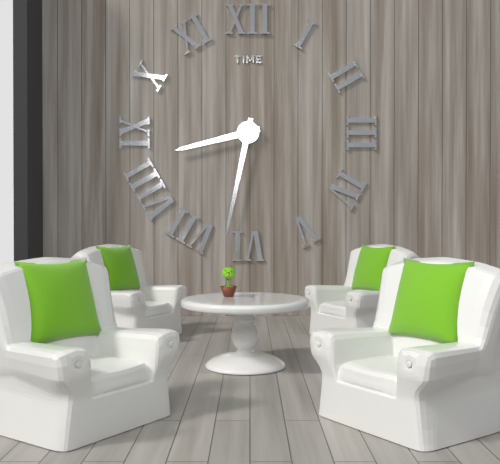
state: 8:32
